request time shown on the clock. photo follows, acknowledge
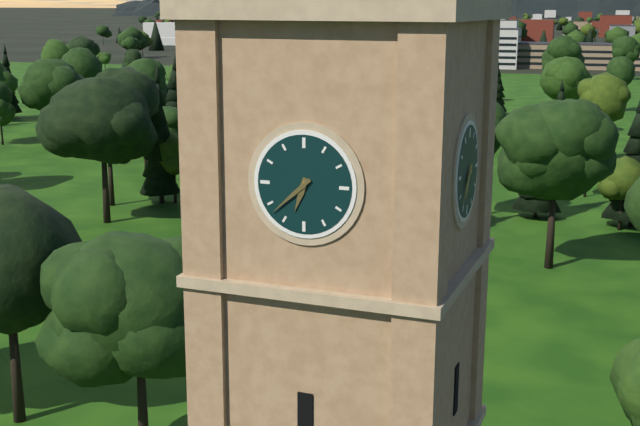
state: 6:38
